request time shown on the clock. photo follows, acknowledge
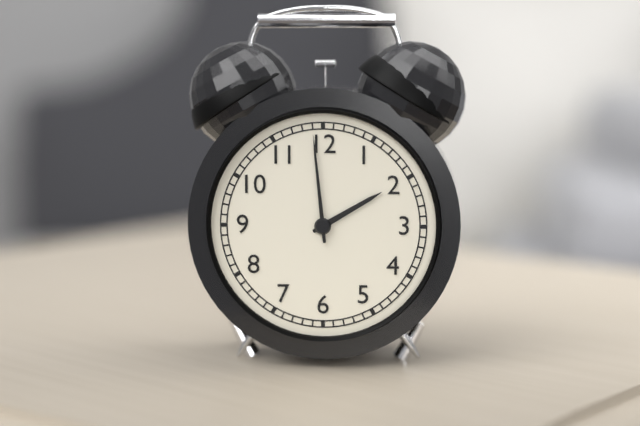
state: 1:59
